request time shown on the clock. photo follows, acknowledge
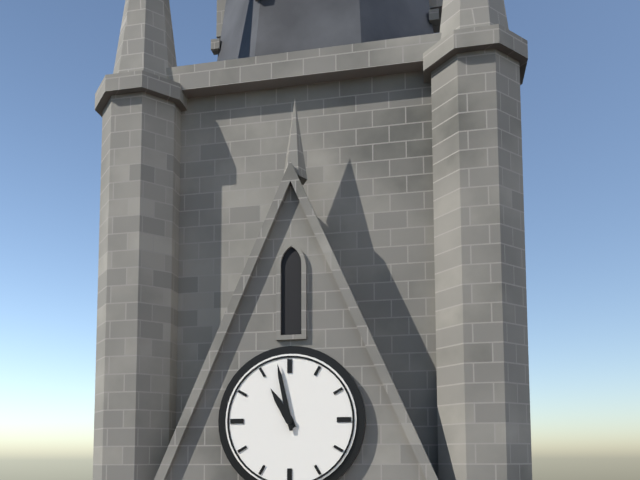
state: 10:58
